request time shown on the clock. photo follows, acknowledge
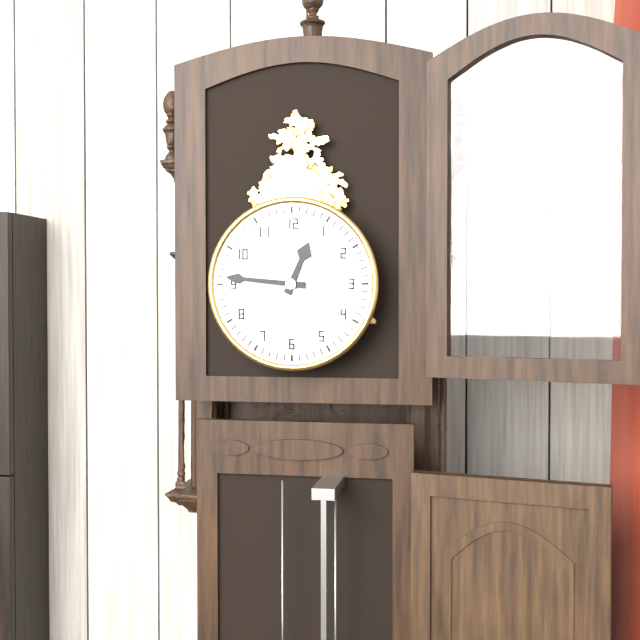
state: 12:46
